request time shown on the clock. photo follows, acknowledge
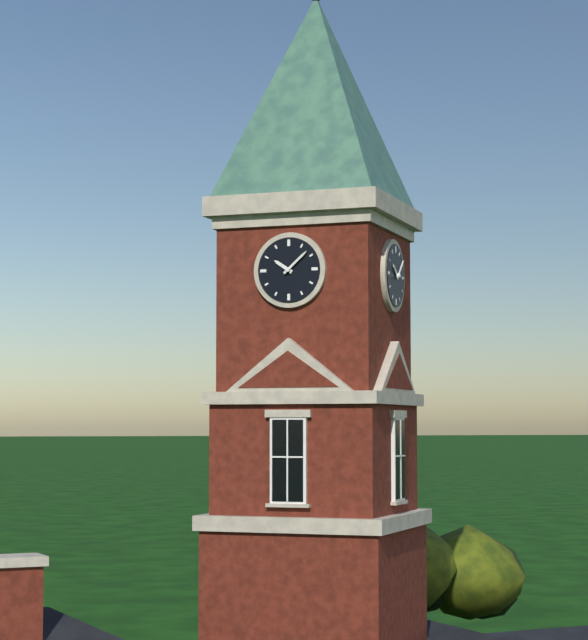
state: 10:08
